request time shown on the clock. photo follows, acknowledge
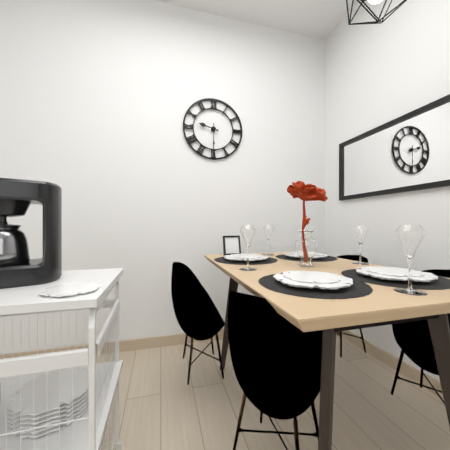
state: 9:30
